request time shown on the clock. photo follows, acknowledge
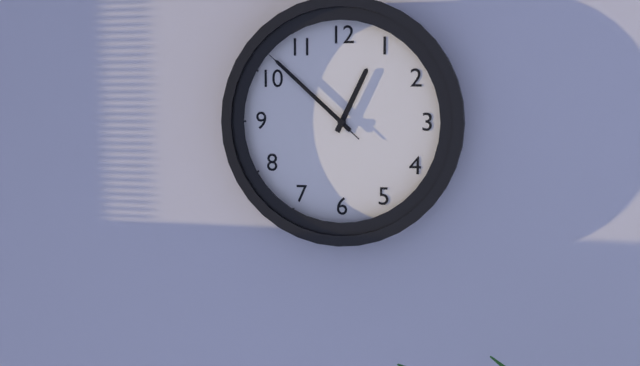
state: 12:52:52
